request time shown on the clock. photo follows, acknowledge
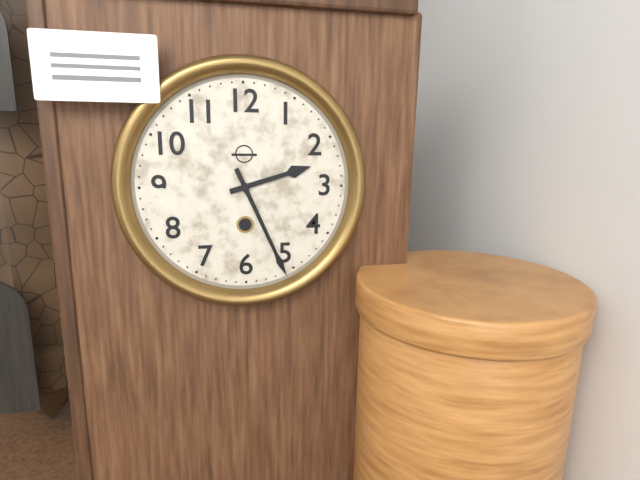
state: 2:26
